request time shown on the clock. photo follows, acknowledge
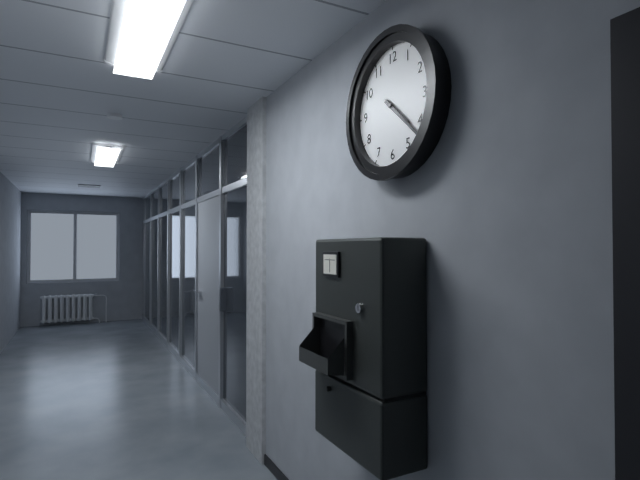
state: 4:22
